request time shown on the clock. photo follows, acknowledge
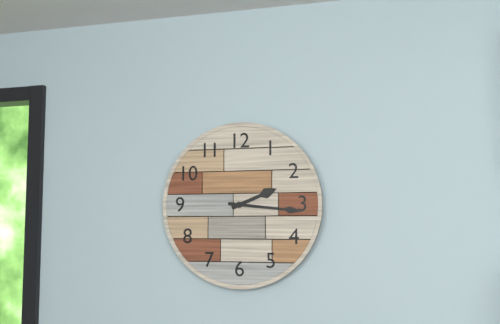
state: 2:16
